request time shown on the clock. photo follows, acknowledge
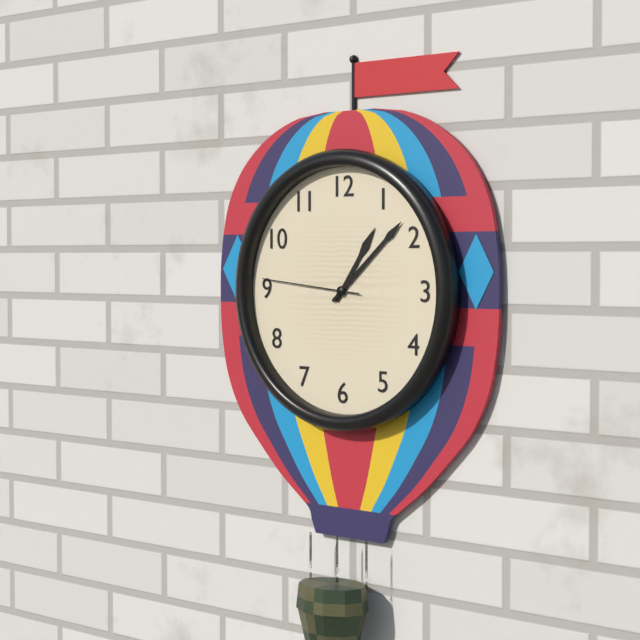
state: 1:08:46
